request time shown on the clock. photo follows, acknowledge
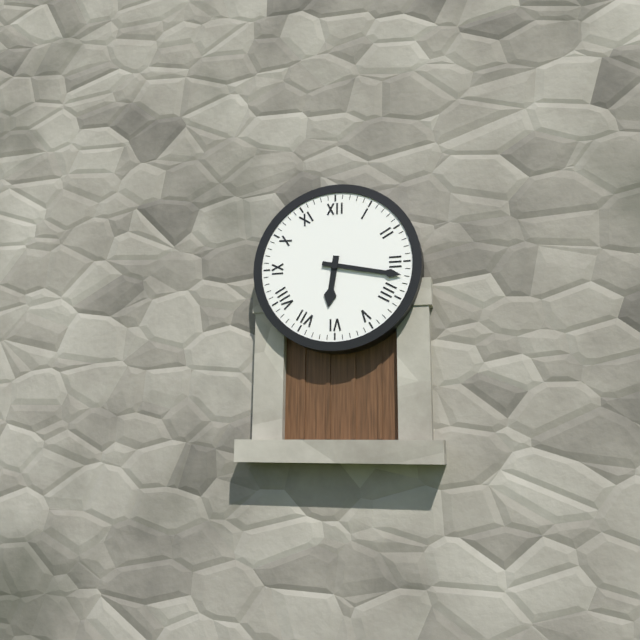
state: 6:17
